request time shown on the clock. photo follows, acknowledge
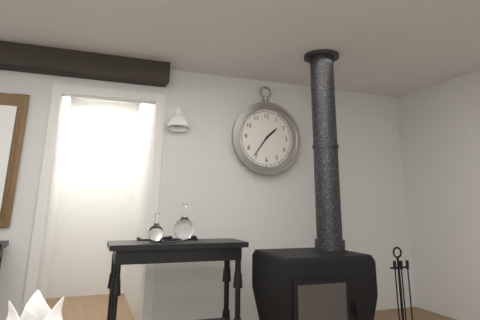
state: 1:36
